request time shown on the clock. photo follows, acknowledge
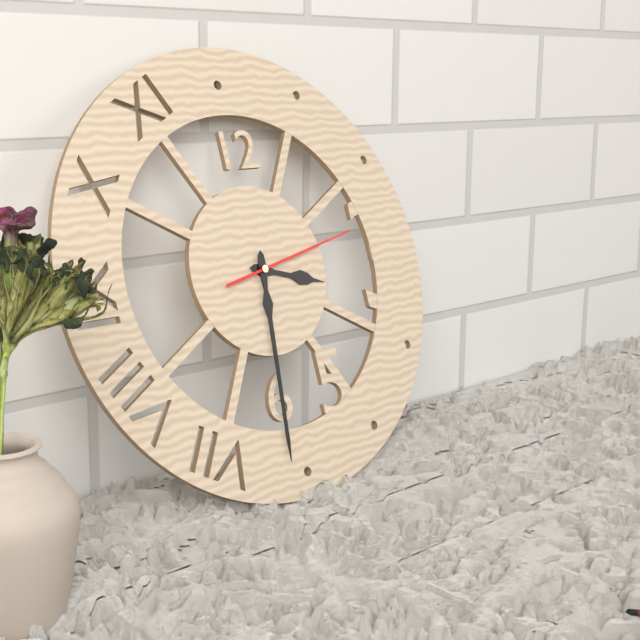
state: 3:31:13
